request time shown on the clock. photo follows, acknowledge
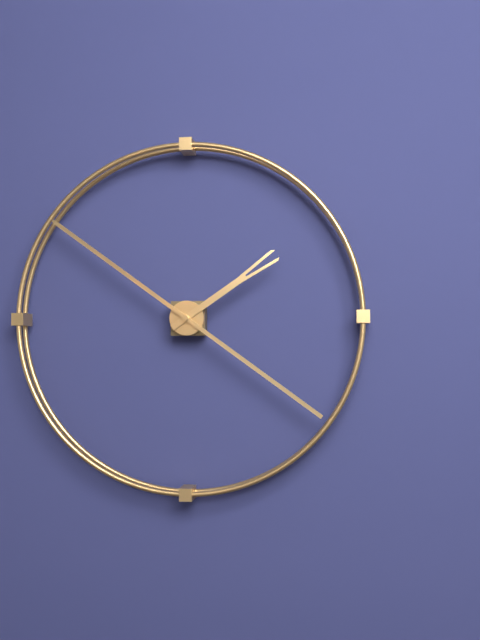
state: 1:51
